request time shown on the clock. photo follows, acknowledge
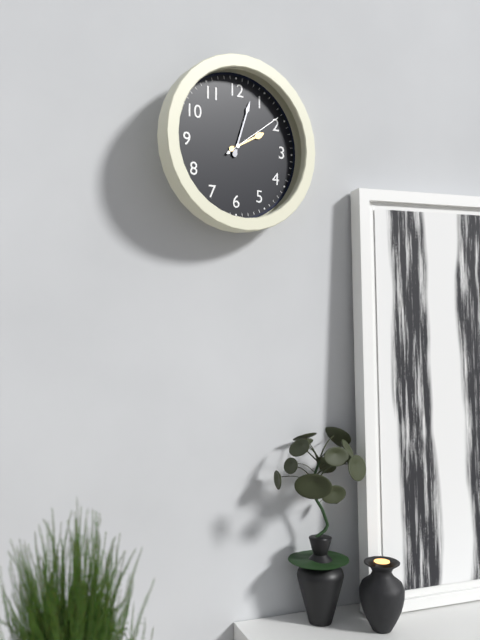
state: 2:03:09
